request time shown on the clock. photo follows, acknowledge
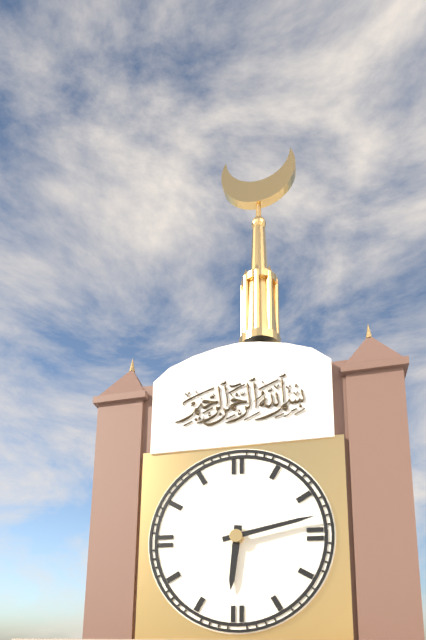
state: 6:13
